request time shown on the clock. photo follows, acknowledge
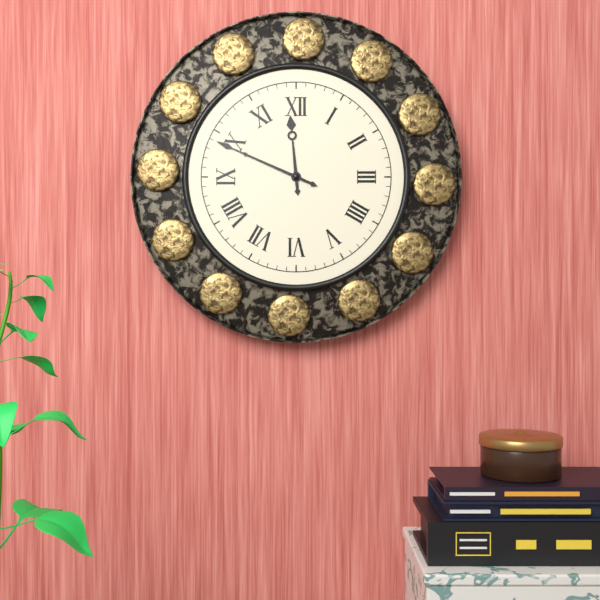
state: 11:49
